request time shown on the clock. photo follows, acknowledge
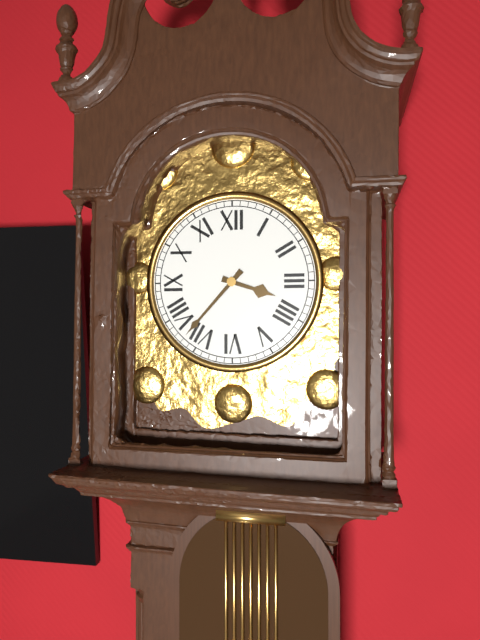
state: 3:37
